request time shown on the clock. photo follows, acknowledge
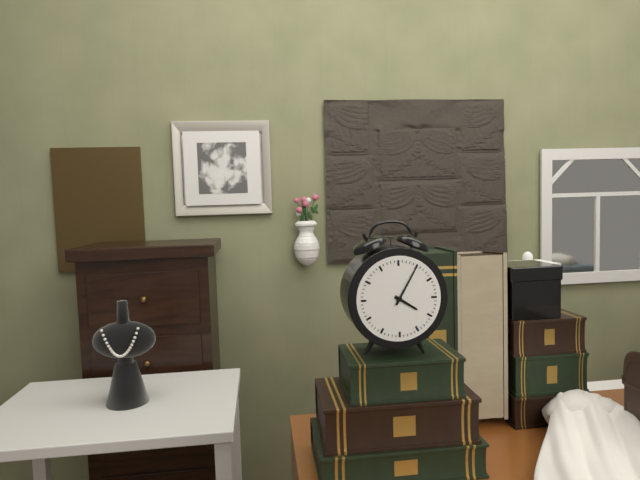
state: 4:05
